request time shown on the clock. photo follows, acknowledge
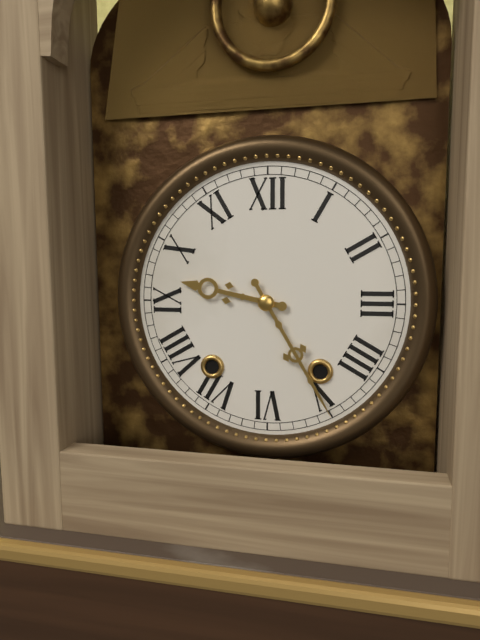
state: 9:25
